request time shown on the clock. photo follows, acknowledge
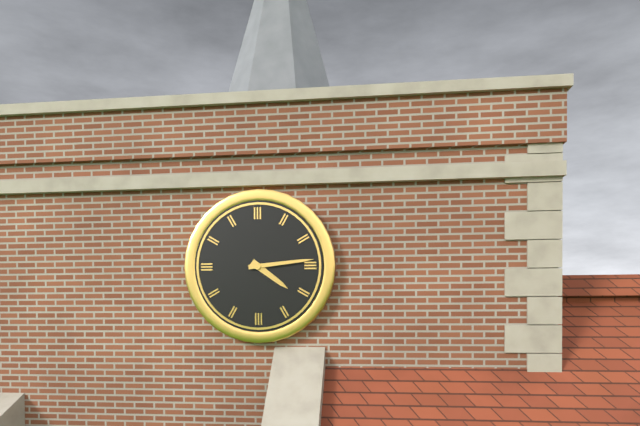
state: 4:14
